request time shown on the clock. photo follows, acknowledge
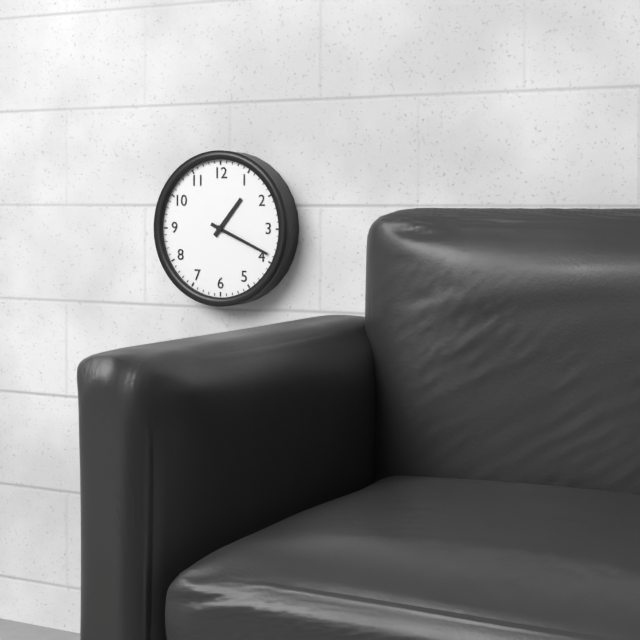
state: 1:19
